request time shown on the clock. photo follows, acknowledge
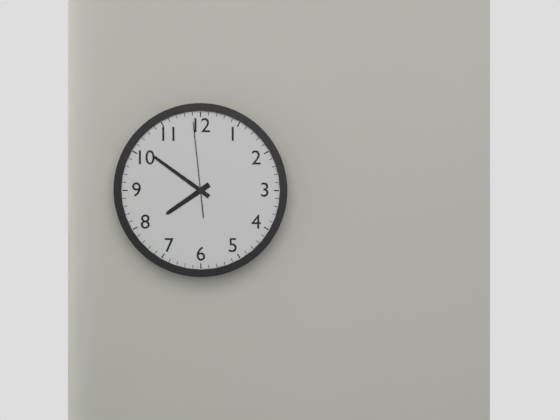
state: 7:51:59
